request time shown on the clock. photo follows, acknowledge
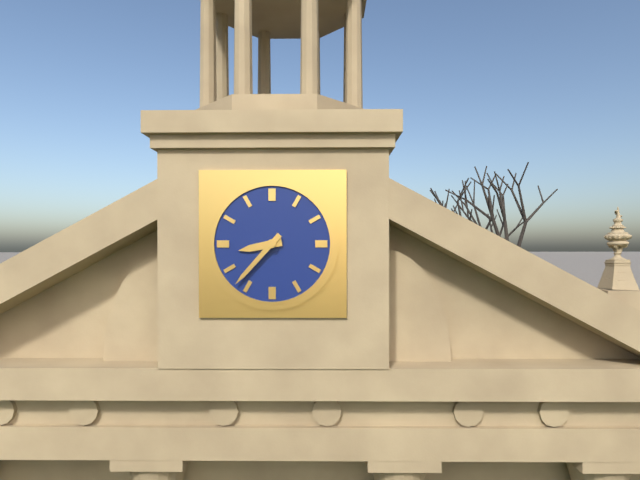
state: 8:37
